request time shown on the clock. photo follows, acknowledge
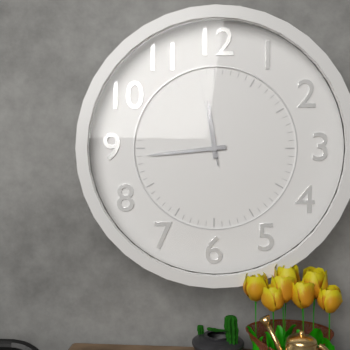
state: 11:44:58
